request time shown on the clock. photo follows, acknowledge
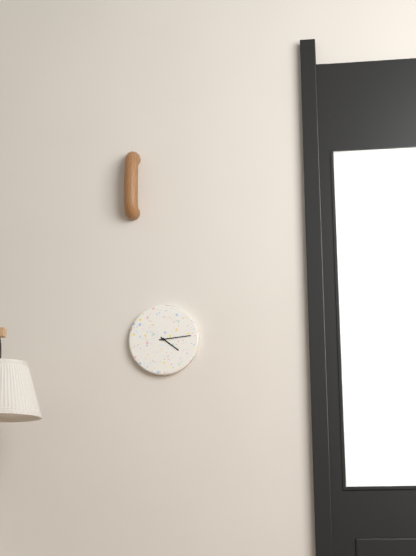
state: 4:14
